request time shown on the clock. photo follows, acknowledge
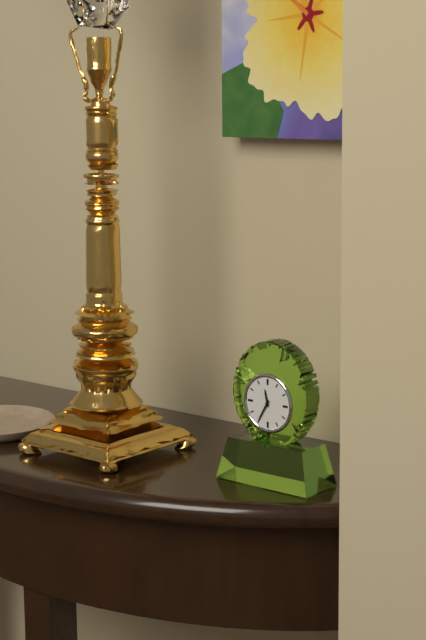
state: 11:35
